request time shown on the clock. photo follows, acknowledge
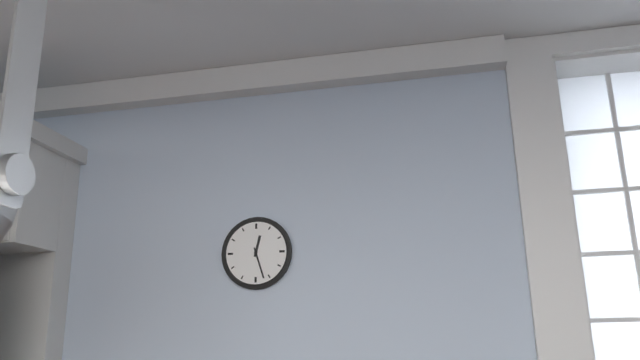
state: 12:27
